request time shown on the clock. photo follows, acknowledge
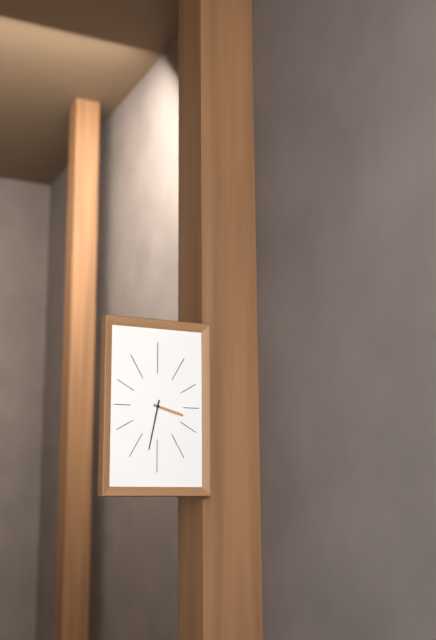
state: 3:32
